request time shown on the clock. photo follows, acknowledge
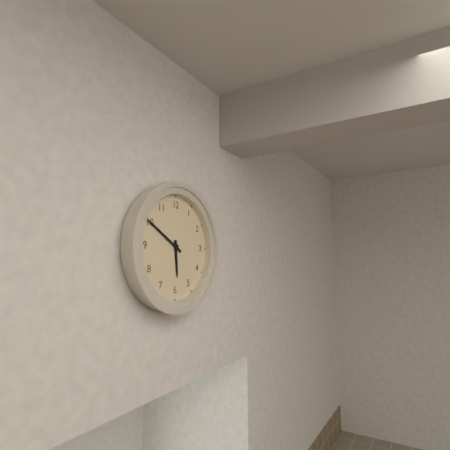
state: 5:50
